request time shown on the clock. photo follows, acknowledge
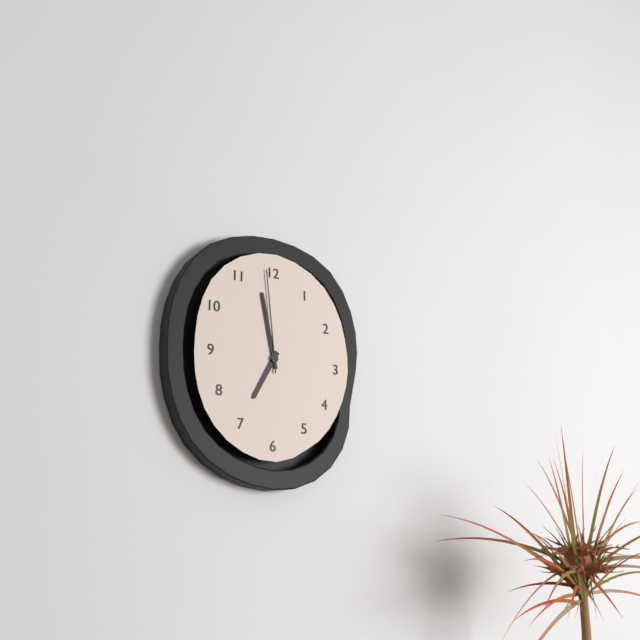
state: 6:58:59
